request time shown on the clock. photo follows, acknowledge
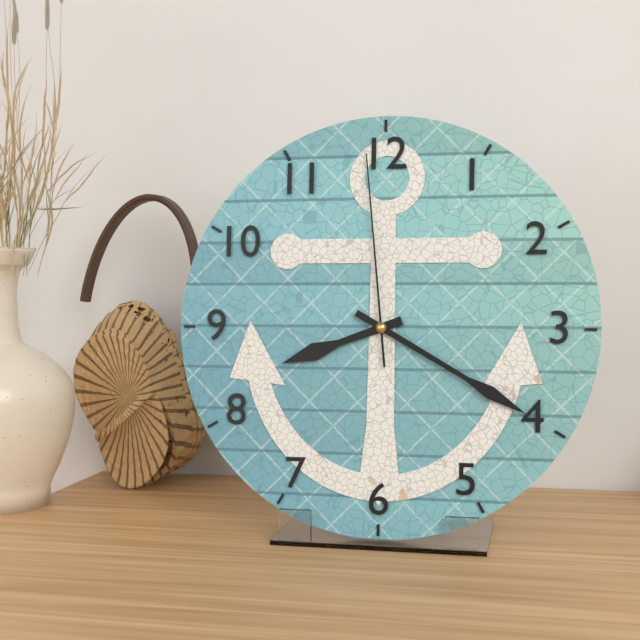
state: 8:20:59
